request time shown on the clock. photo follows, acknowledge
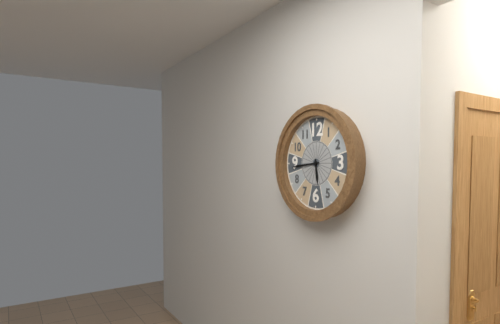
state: 5:44
